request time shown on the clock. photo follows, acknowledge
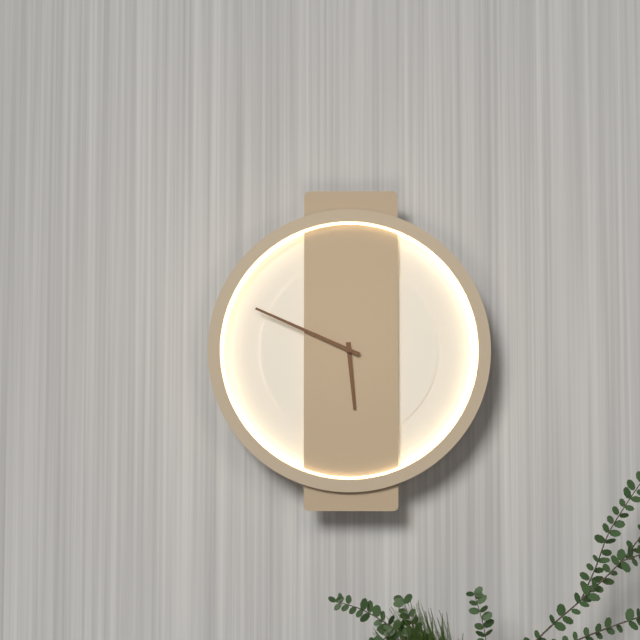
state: 5:49
